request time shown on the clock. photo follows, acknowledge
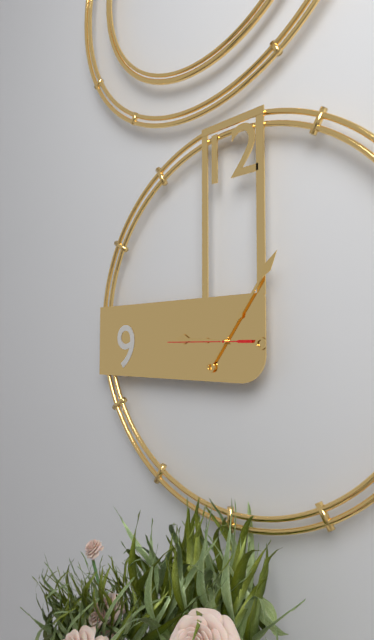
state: 9:06:45
